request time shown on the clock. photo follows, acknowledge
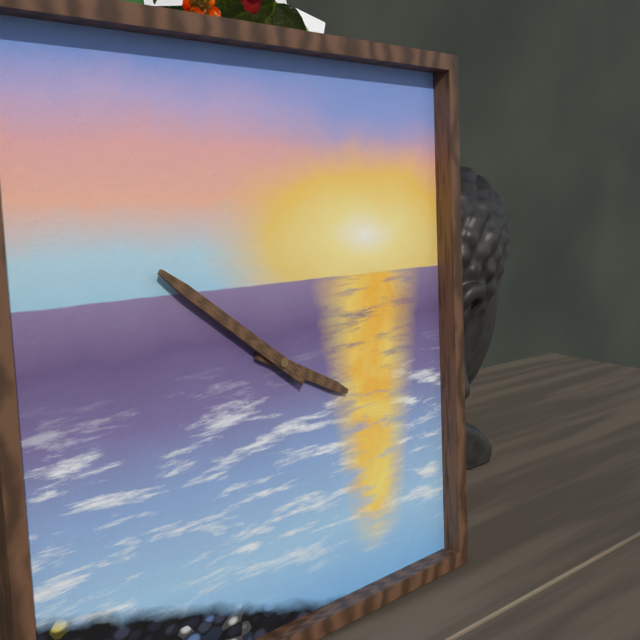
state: 3:51
